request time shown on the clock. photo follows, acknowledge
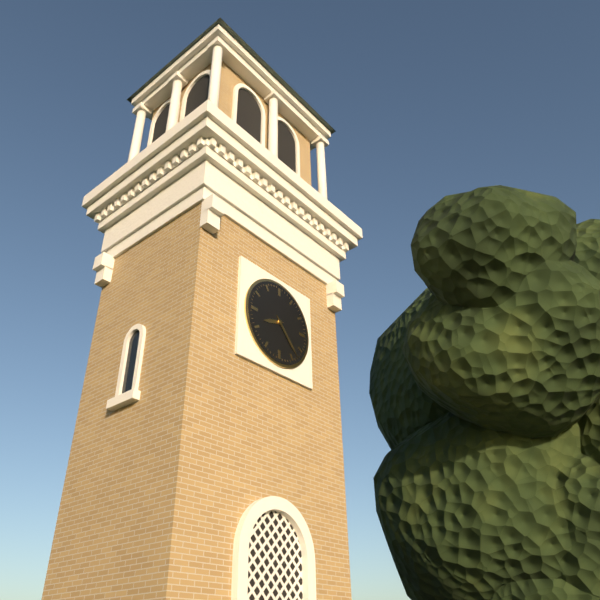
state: 8:23
